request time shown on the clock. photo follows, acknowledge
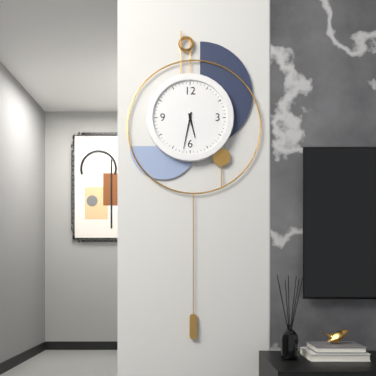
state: 5:32
